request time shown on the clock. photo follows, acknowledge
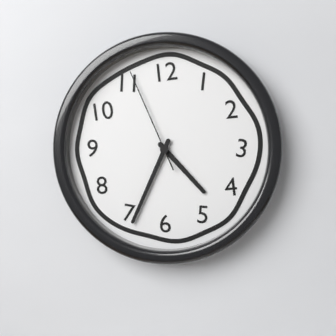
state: 4:34:56
